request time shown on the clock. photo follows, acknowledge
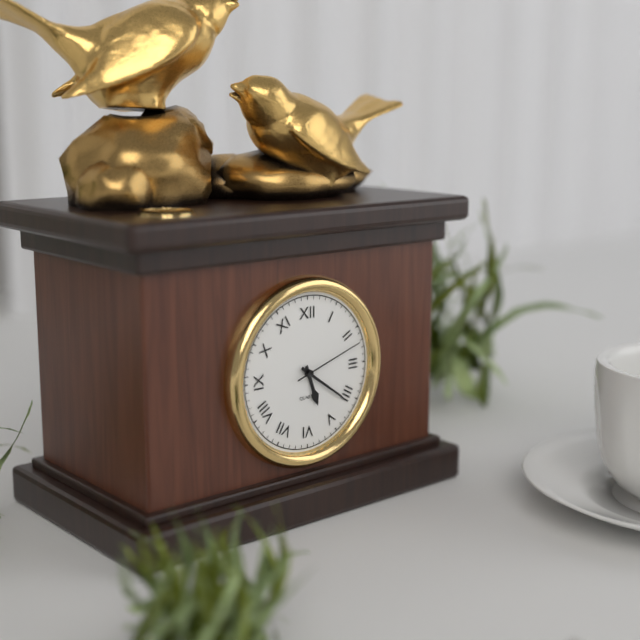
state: 5:21:12
